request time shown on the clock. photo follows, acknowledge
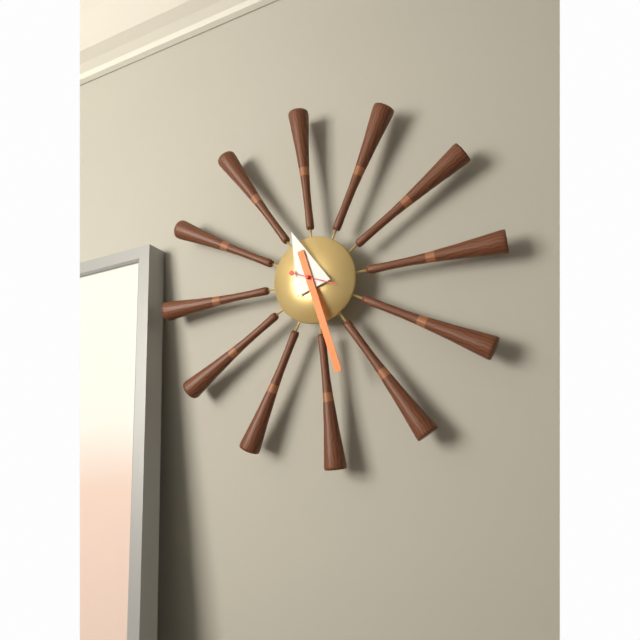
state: 11:28
